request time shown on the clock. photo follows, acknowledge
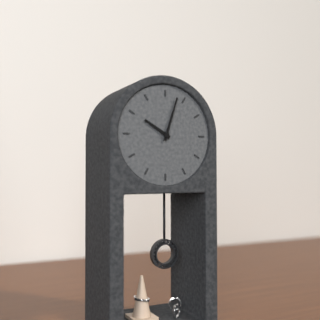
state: 10:03
